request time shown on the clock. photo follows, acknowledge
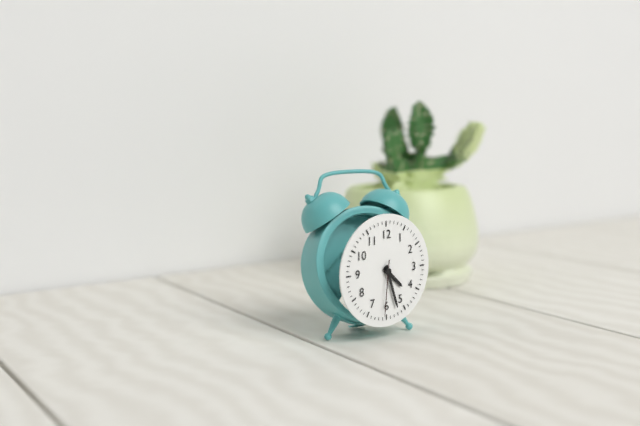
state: 4:27:31
